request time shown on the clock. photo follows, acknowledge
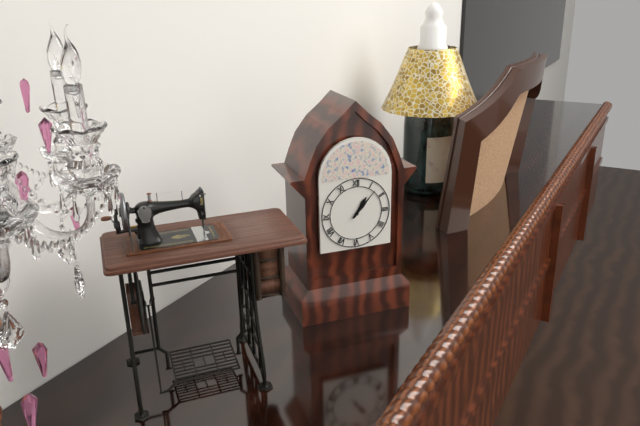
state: 1:07
